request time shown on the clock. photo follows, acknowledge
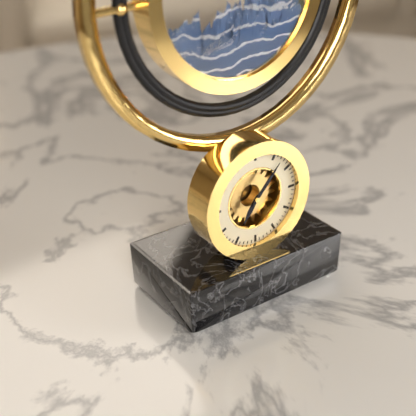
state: 7:07
